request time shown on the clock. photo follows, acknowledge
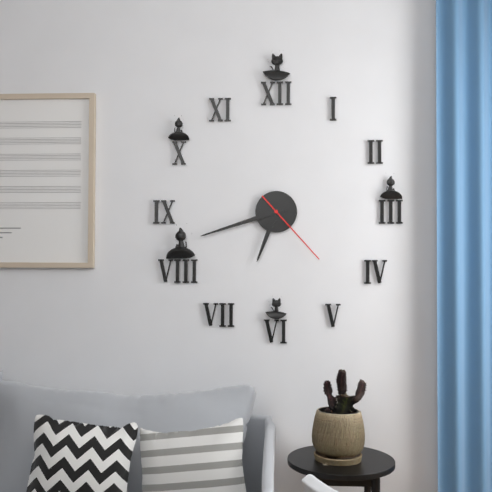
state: 6:42:23
